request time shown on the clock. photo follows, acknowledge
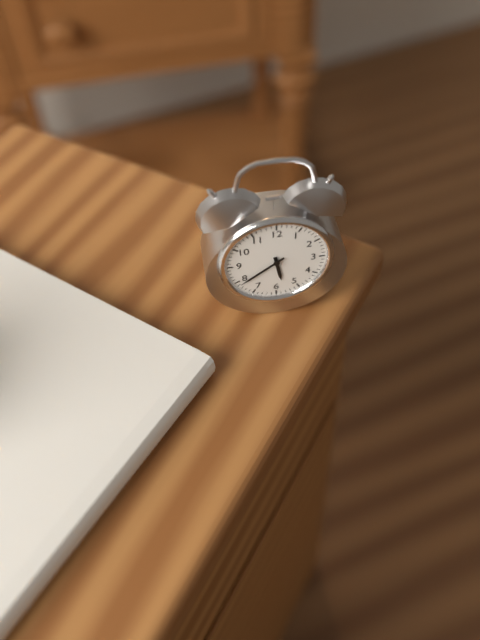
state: 5:39
